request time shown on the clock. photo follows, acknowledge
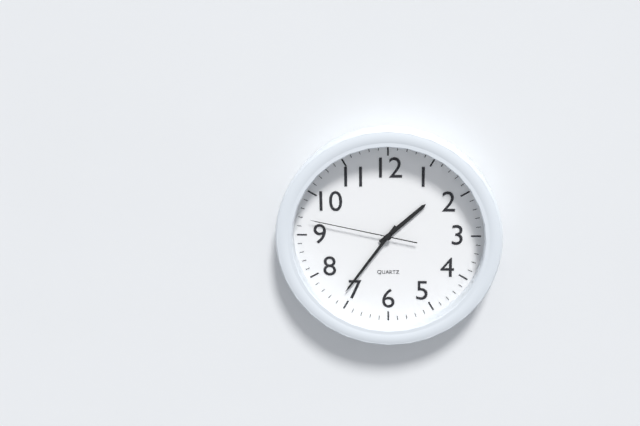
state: 1:36:47
